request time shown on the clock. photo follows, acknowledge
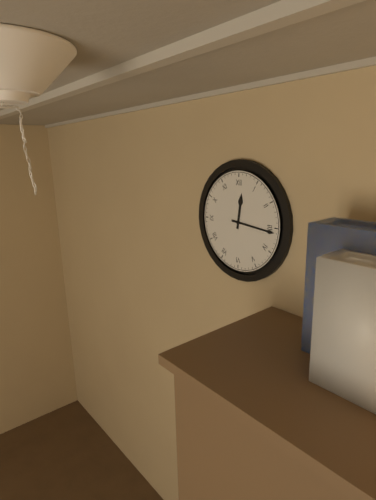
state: 12:16
